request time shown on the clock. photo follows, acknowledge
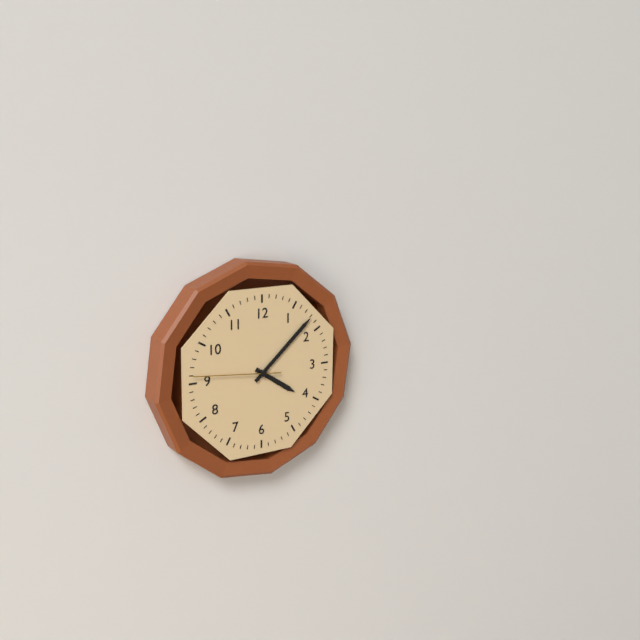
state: 4:08:46
